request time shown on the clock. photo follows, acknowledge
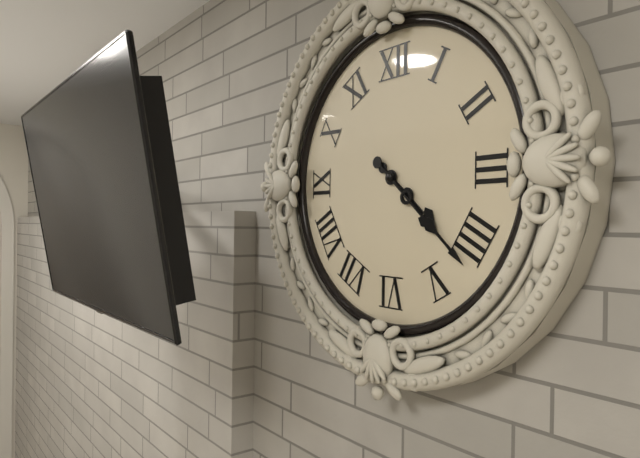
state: 4:22
